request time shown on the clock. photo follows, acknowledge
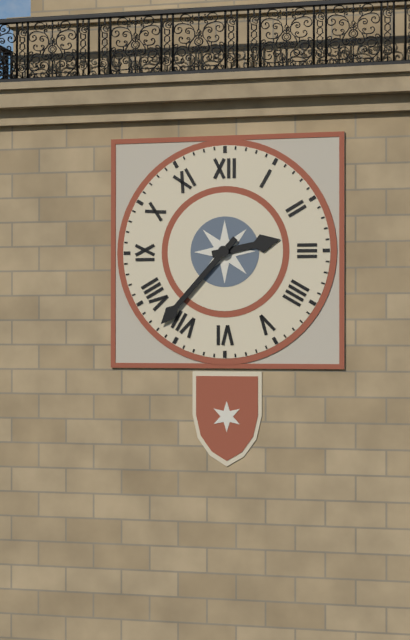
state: 2:37
